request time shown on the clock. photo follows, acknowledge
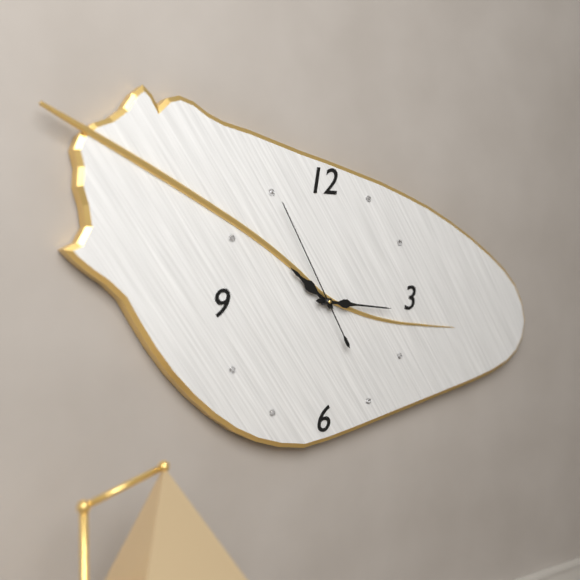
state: 10:16:55
